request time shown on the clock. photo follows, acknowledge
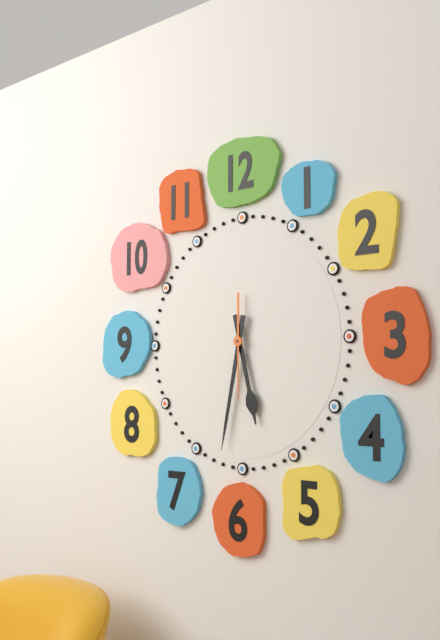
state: 5:32:30
